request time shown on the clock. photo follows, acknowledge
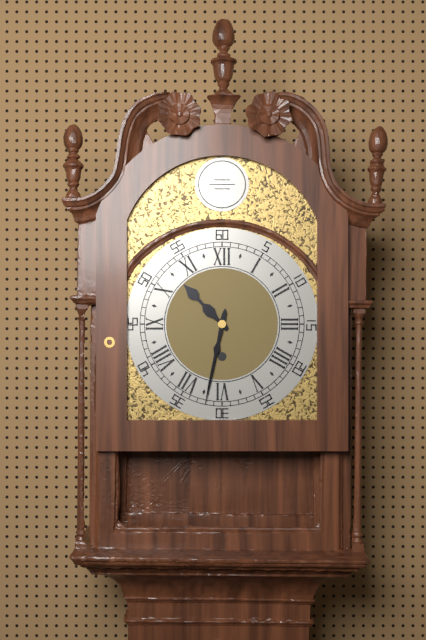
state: 10:32
